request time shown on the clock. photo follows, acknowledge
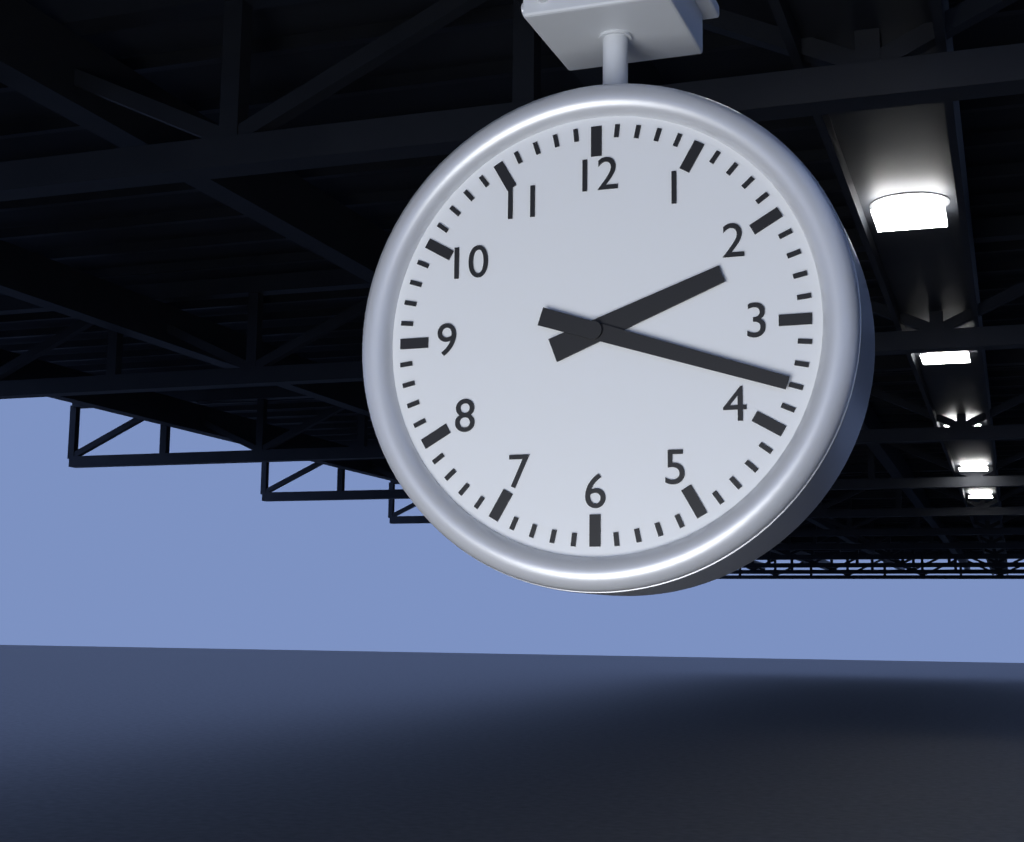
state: 2:18
